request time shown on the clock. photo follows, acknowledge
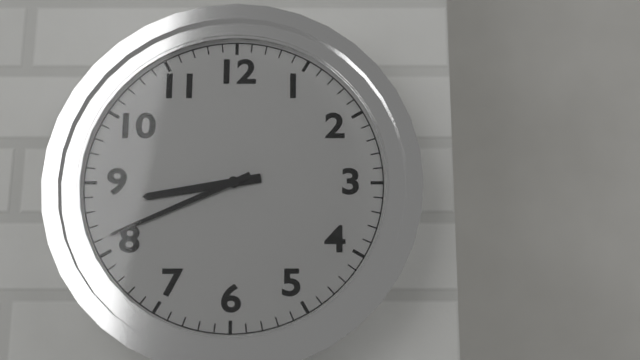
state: 8:41
